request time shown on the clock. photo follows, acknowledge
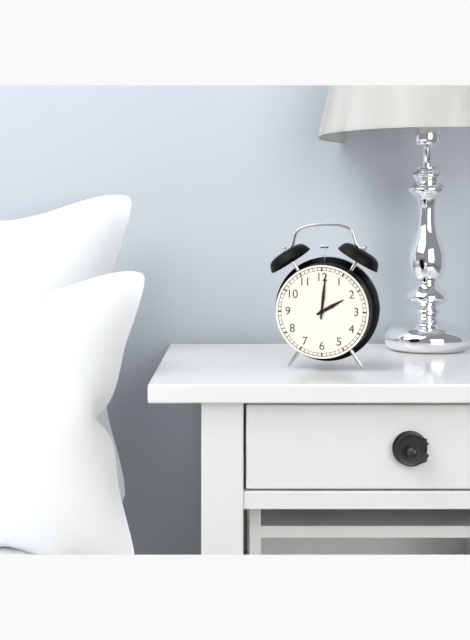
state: 2:01
